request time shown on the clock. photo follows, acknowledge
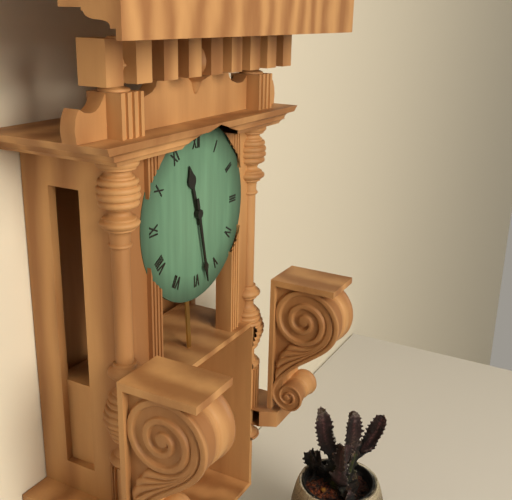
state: 11:28
